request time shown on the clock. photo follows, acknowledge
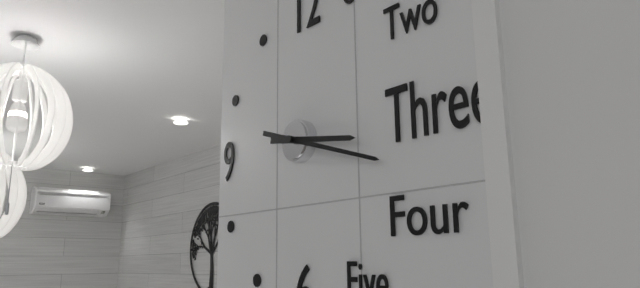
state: 3:18
